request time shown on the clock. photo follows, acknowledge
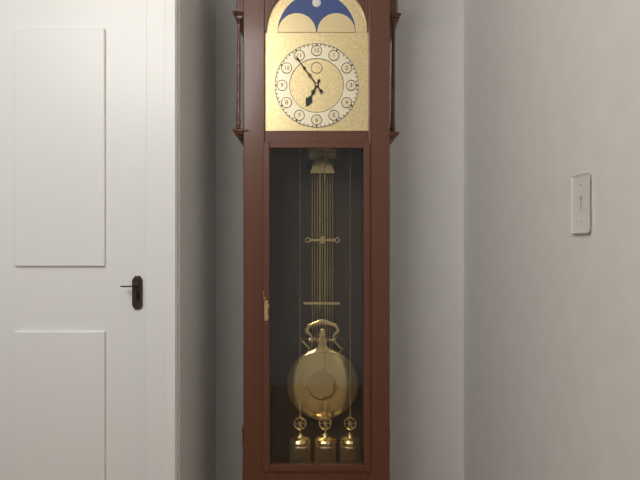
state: 6:54
